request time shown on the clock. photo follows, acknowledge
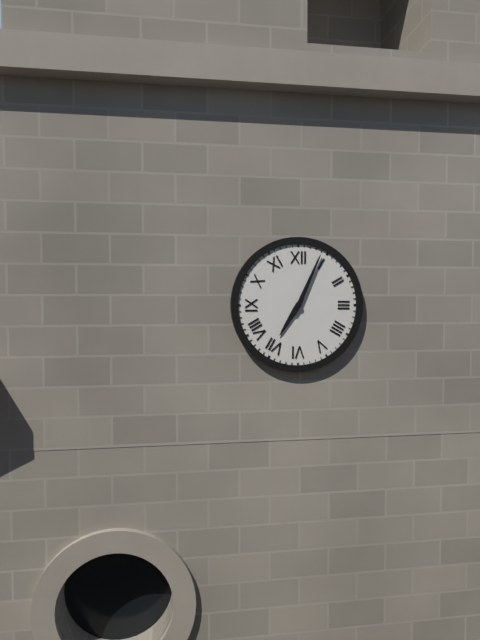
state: 7:04
